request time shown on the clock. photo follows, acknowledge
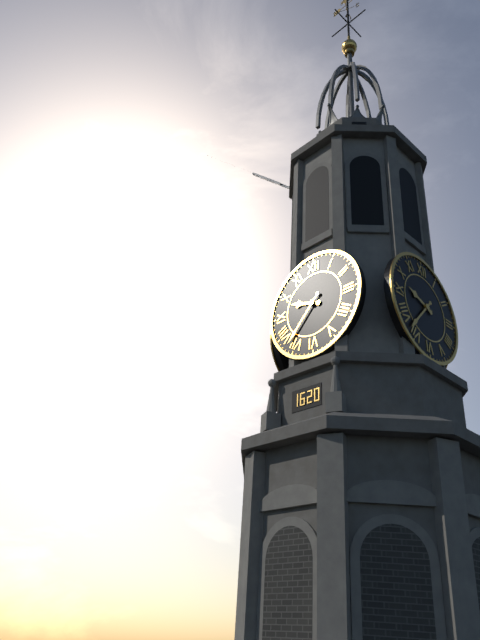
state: 9:37
